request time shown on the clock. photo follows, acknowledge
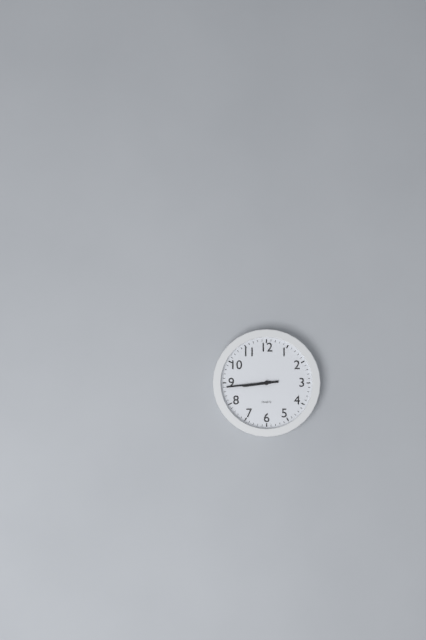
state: 8:44
